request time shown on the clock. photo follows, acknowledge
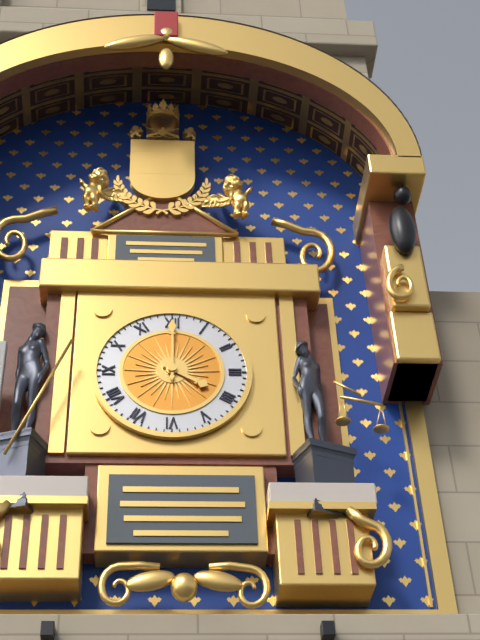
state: 4:00
